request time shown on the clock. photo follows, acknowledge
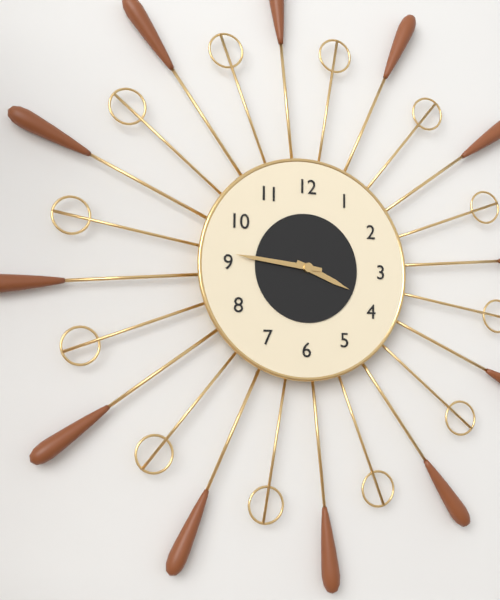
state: 3:46
